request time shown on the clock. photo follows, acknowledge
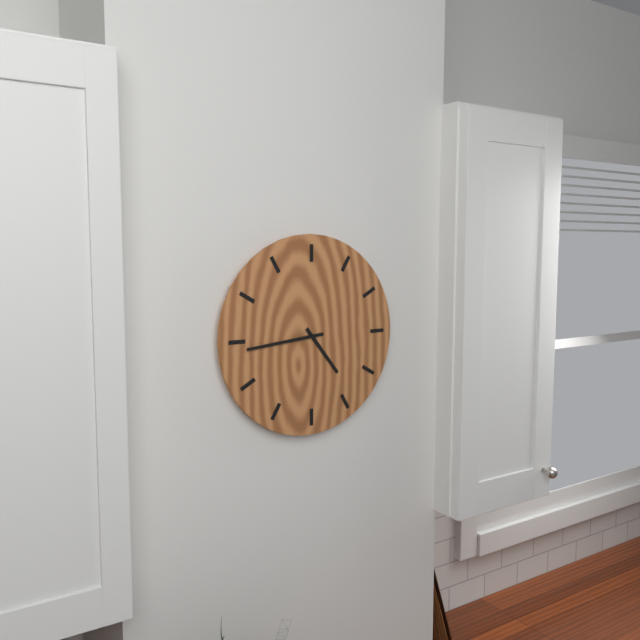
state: 4:44
